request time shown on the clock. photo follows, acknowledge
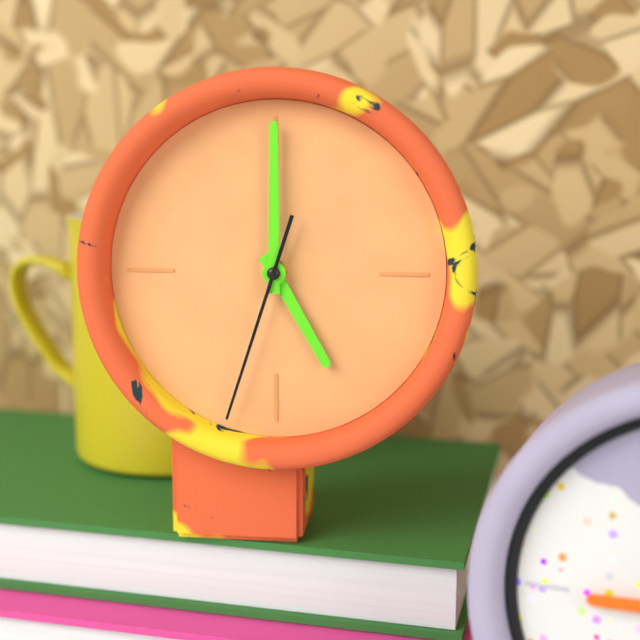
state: 5:00:33
